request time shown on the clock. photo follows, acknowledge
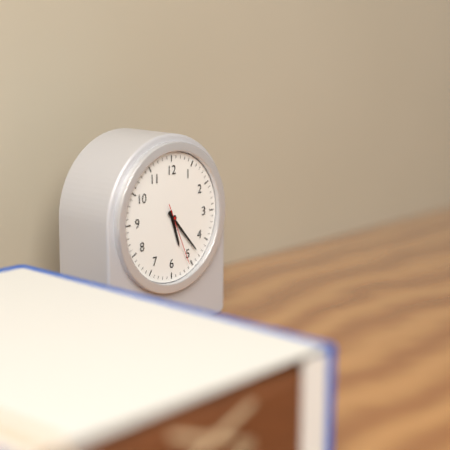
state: 5:23:26
